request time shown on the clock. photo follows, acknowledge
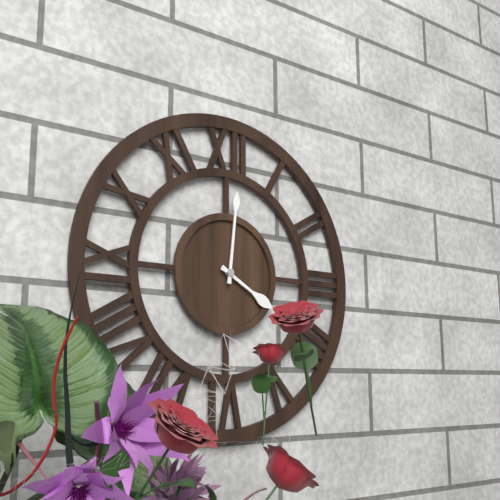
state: 4:01
